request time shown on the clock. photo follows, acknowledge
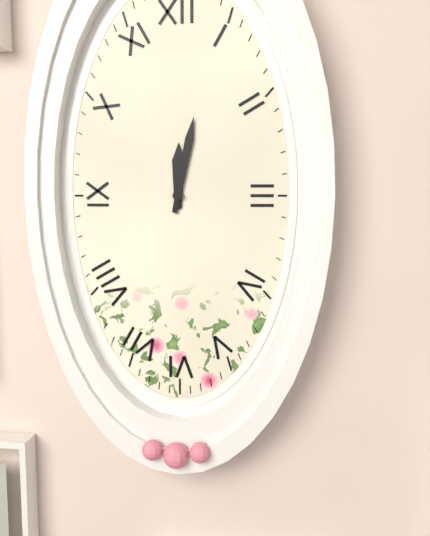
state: 12:02
